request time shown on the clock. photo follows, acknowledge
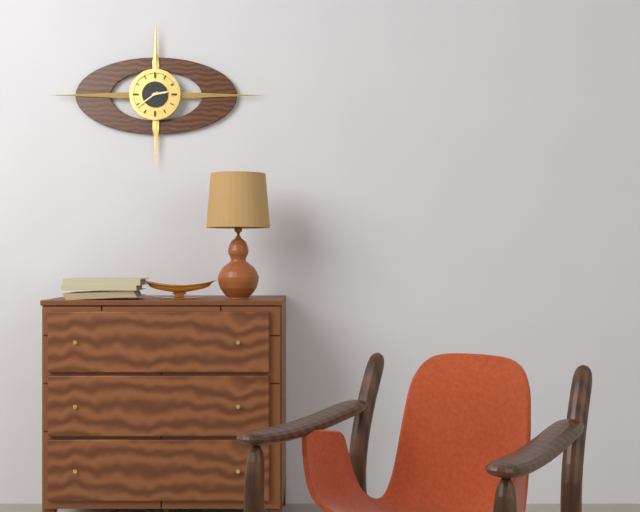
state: 2:39
